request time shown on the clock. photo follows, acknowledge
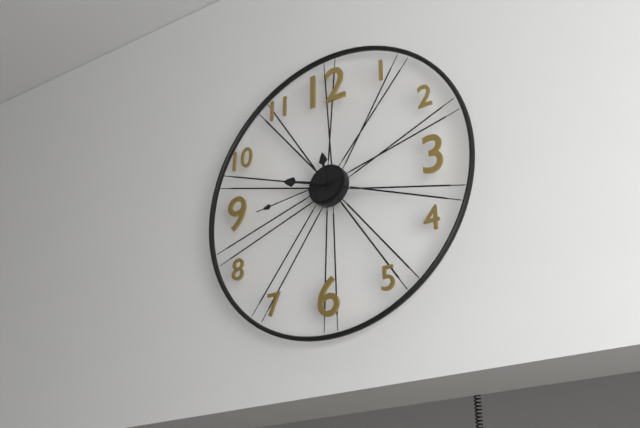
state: 11:48:44
